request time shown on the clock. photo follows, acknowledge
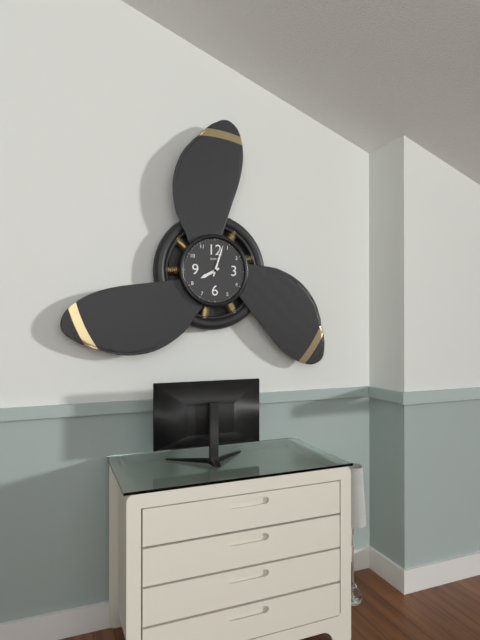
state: 8:03
